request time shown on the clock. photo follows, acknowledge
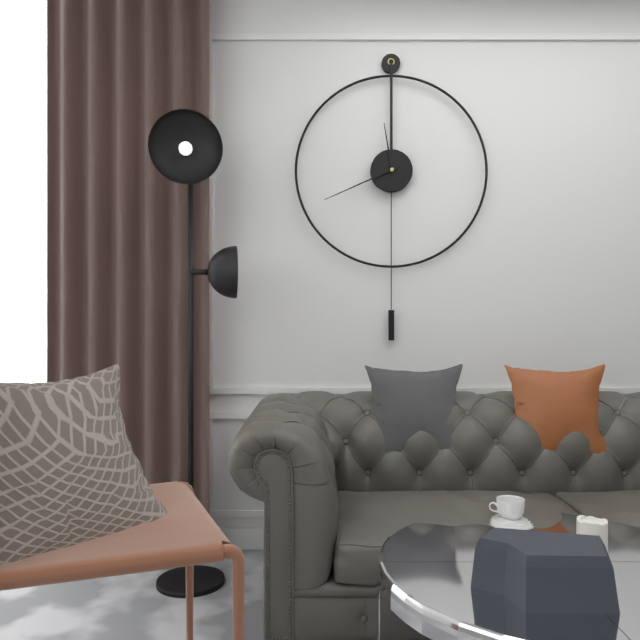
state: 11:41
